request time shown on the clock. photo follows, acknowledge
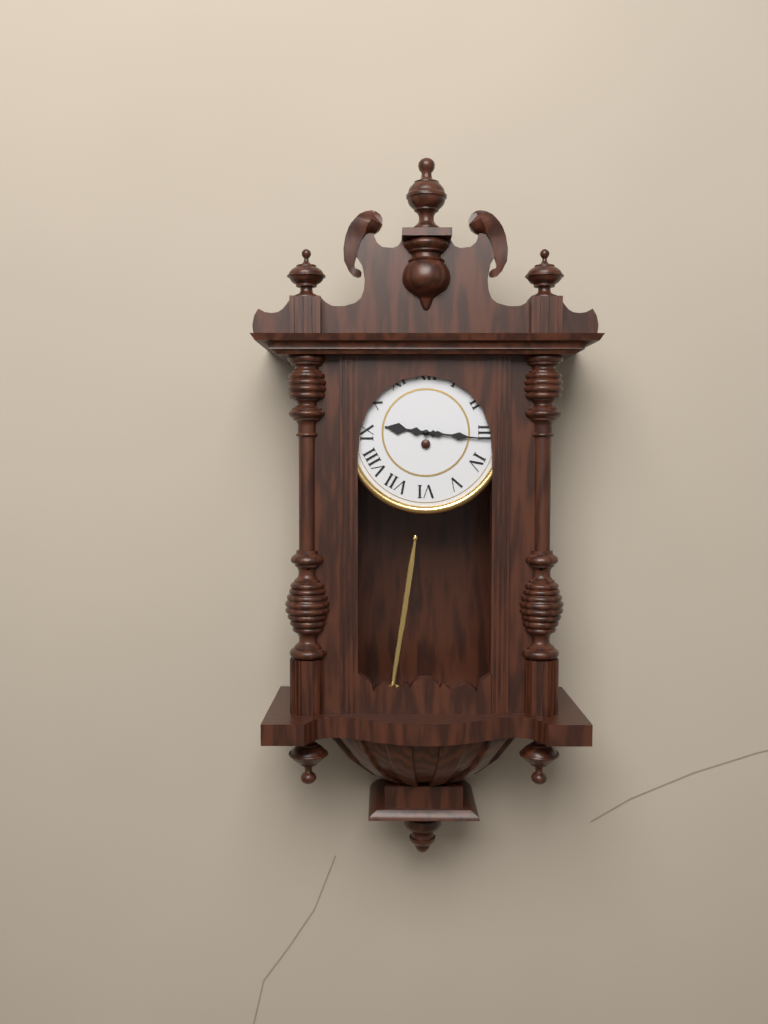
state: 9:16
